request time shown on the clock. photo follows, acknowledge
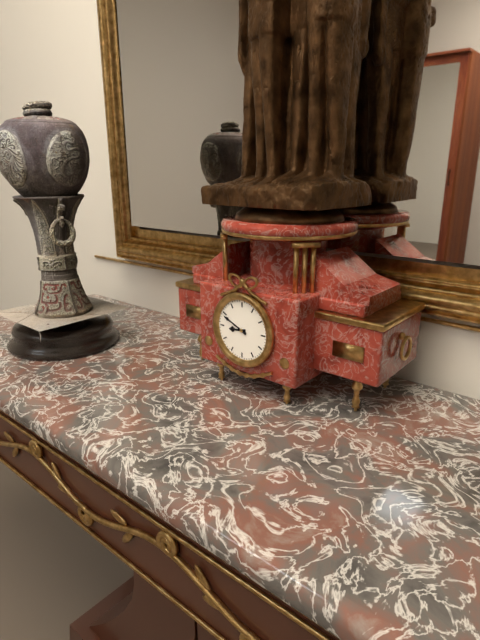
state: 8:49
